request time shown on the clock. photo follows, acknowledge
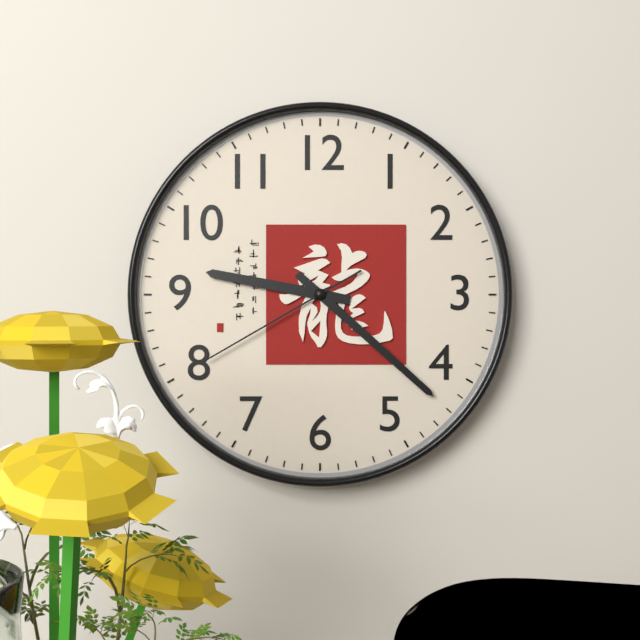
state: 9:22:40
